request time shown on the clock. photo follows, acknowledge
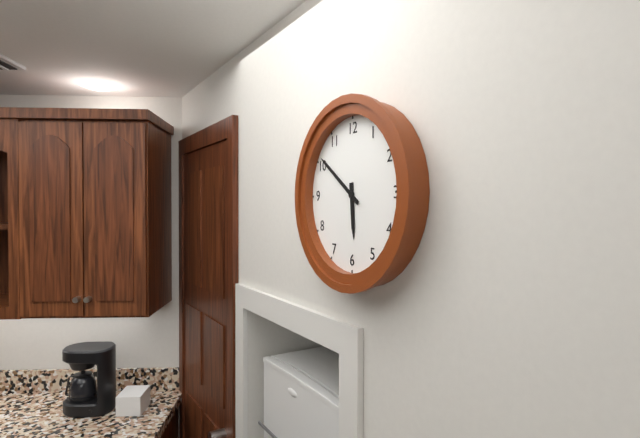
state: 5:51
